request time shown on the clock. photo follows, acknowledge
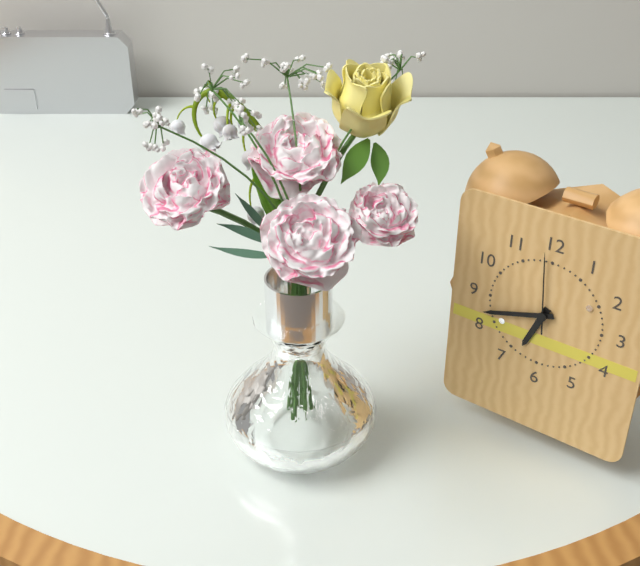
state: 6:42:59
